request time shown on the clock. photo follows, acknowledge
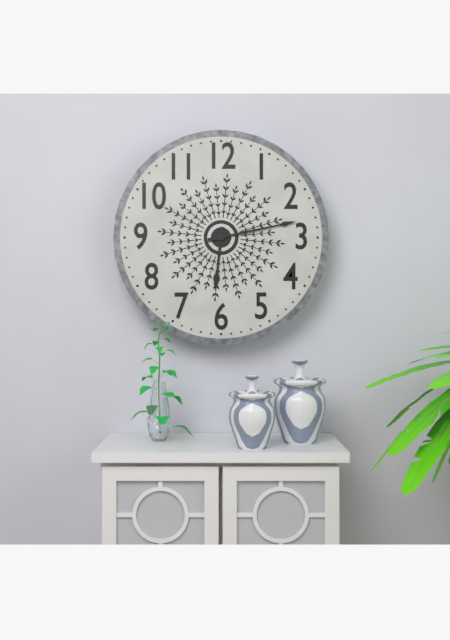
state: 6:13
